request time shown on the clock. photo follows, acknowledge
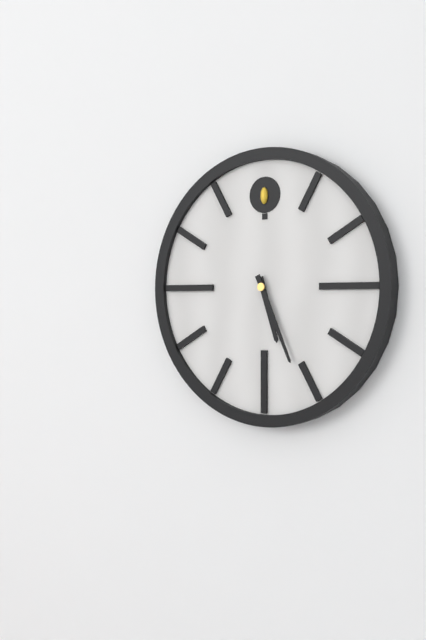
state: 5:26
